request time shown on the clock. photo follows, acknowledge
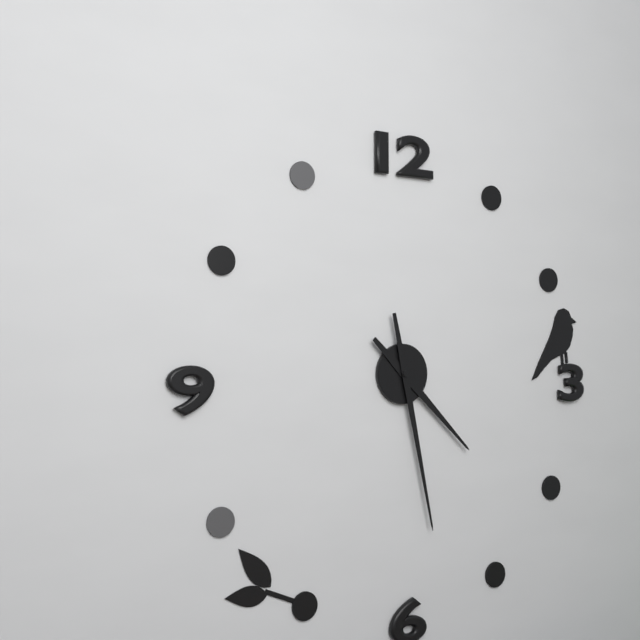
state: 4:28
